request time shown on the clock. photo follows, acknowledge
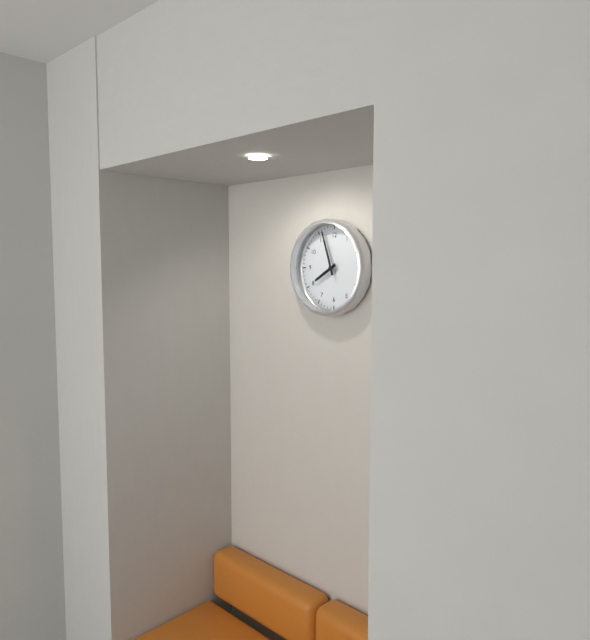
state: 7:57
